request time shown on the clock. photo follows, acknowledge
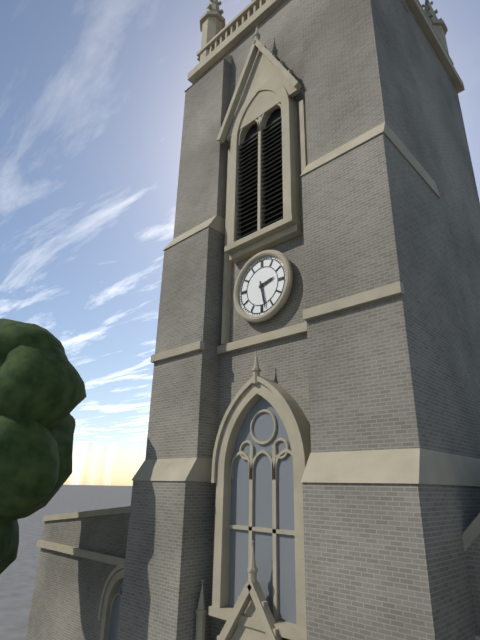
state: 2:28
